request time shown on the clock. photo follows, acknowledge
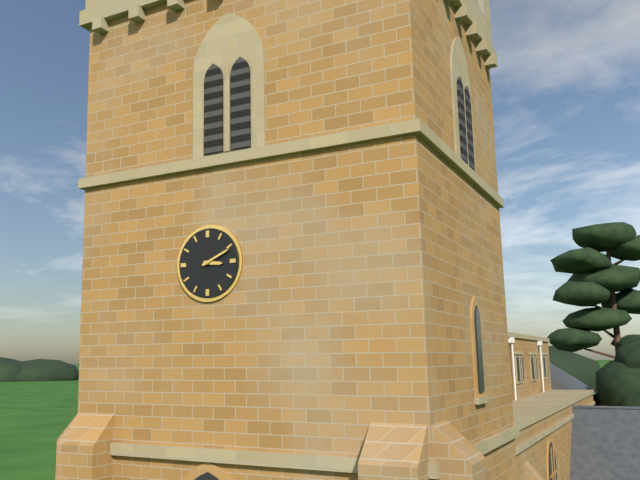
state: 3:11
